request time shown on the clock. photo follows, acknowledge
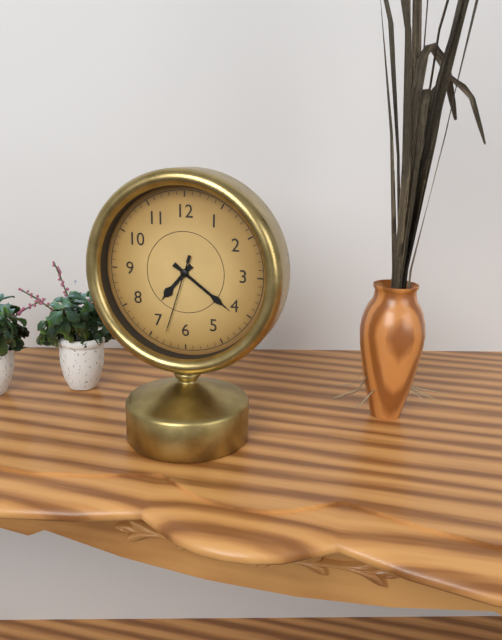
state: 7:21:33
